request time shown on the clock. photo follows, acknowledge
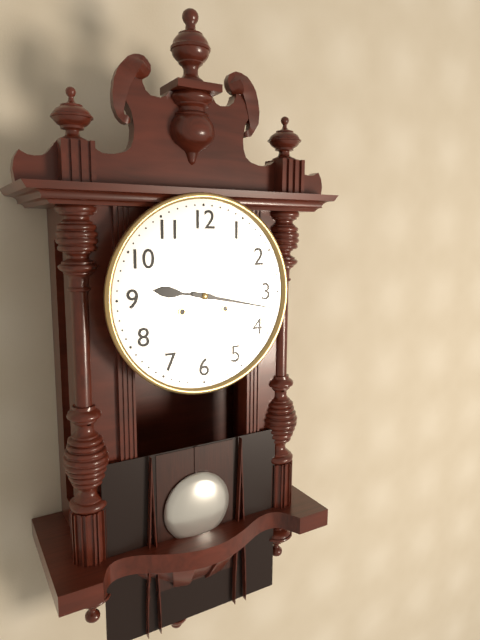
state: 9:17
